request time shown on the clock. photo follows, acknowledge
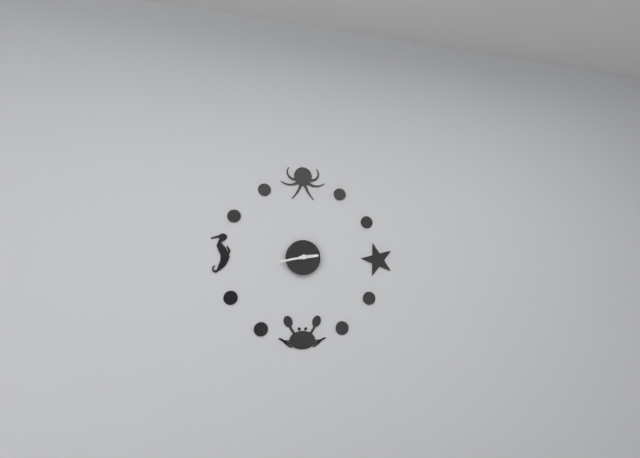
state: 2:43
